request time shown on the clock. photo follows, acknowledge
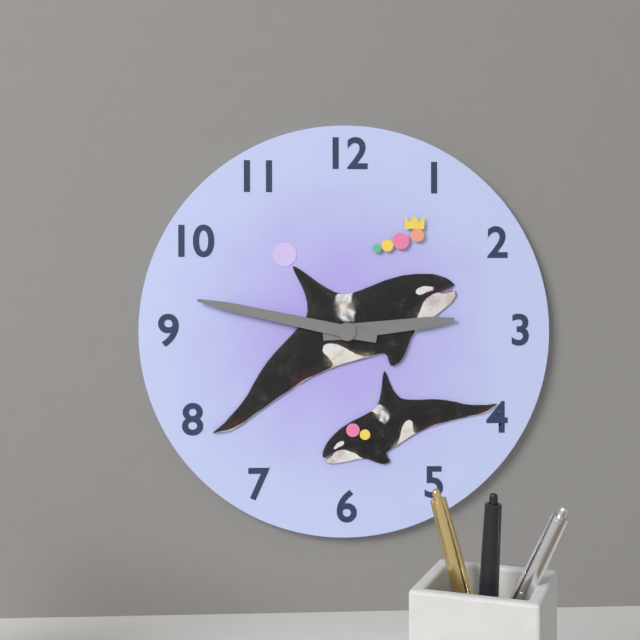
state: 2:47
